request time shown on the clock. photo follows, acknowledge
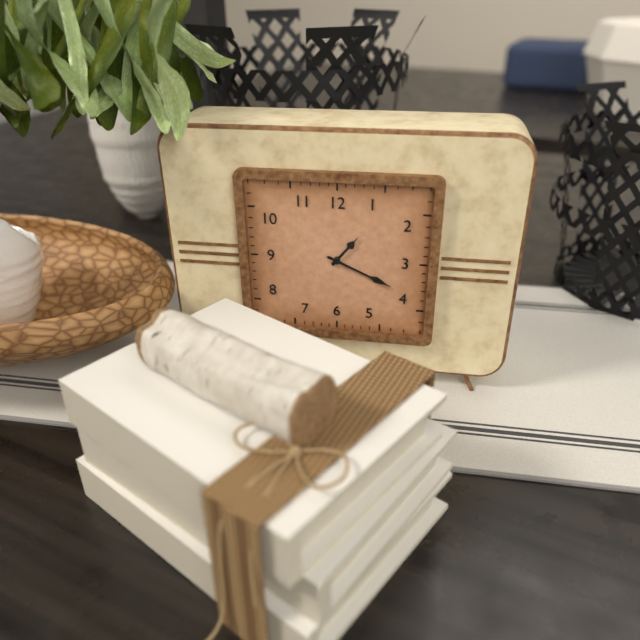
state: 1:19
